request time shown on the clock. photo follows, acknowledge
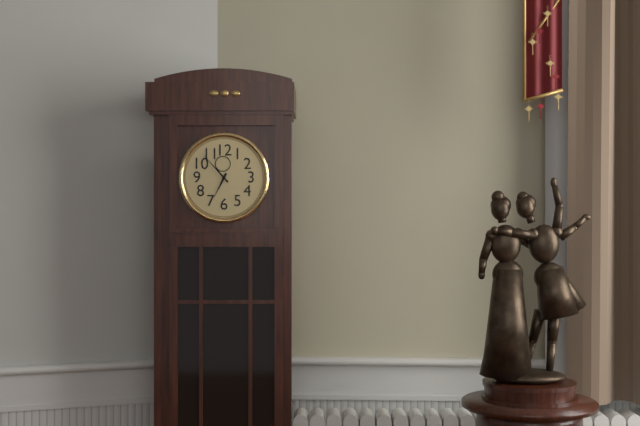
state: 6:53
